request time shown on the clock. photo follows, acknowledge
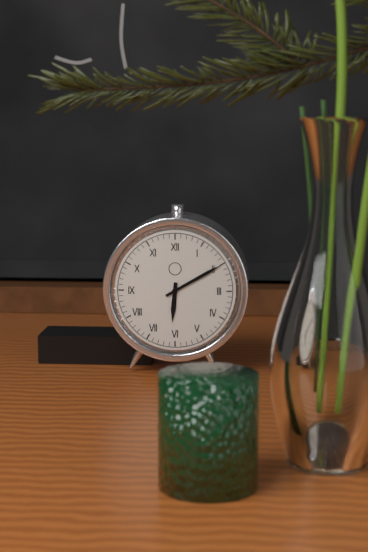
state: 6:10
